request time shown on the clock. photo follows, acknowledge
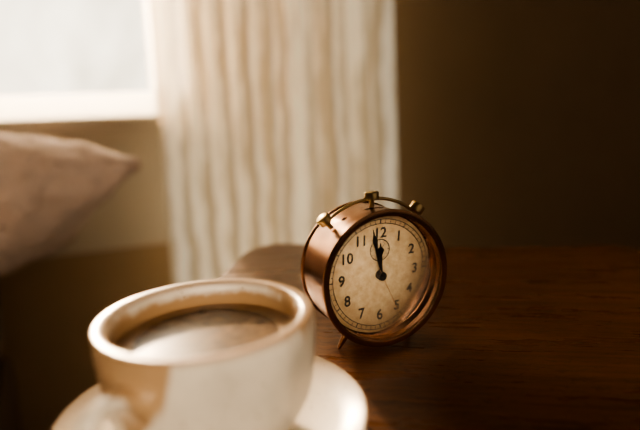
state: 11:58:26
